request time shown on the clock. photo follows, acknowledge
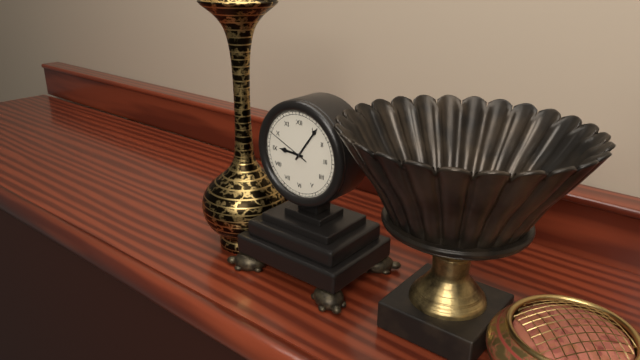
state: 9:06
